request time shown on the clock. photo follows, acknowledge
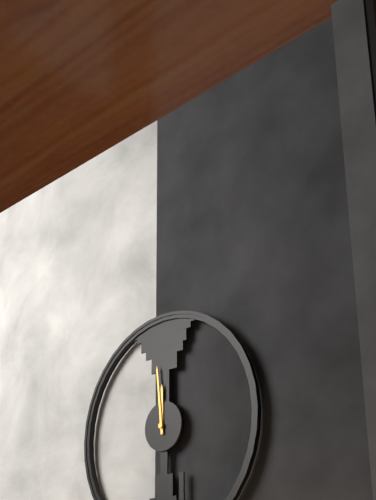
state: 11:59
